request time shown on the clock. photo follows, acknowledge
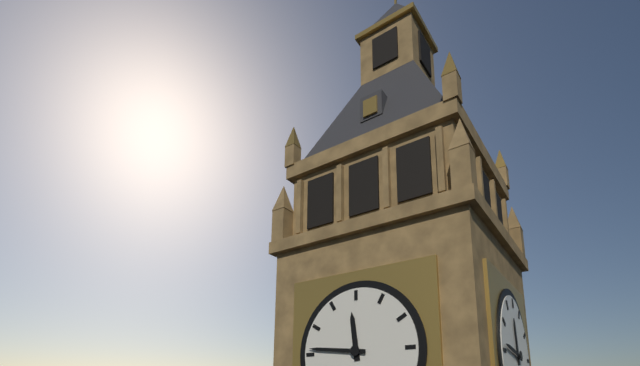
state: 11:46
